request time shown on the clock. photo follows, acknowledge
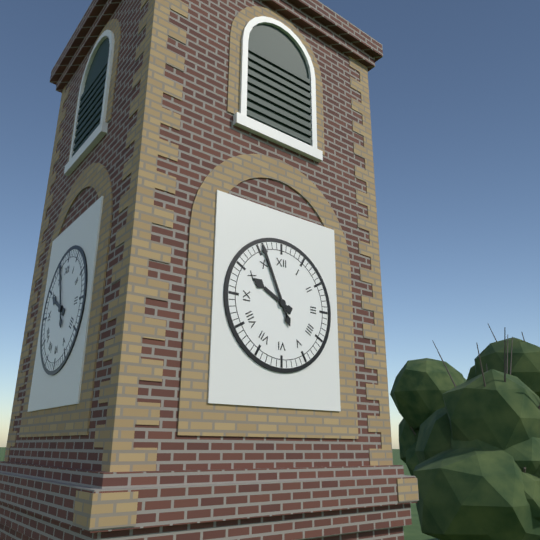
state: 9:56
